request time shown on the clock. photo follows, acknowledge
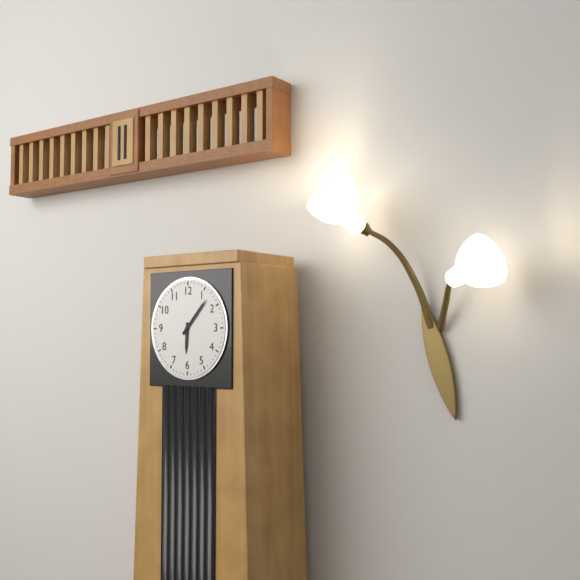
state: 6:07
